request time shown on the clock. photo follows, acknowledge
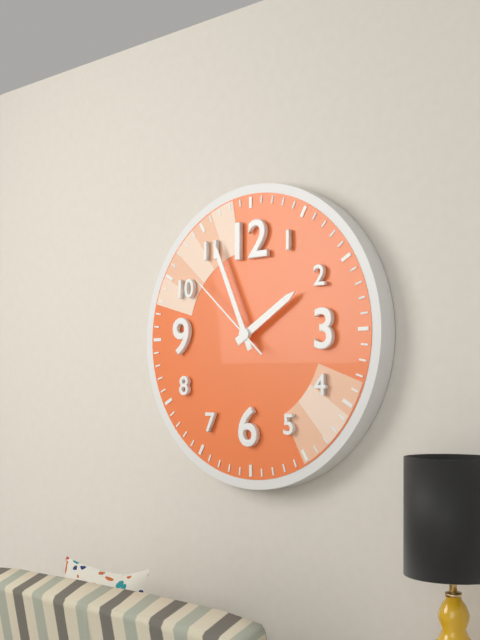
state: 1:56:52
